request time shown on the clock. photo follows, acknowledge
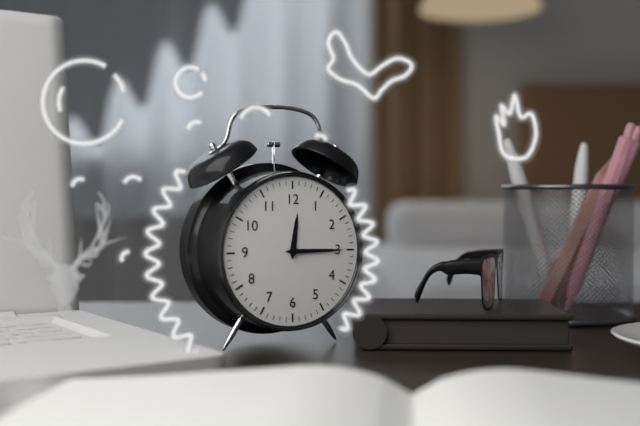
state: 12:15
